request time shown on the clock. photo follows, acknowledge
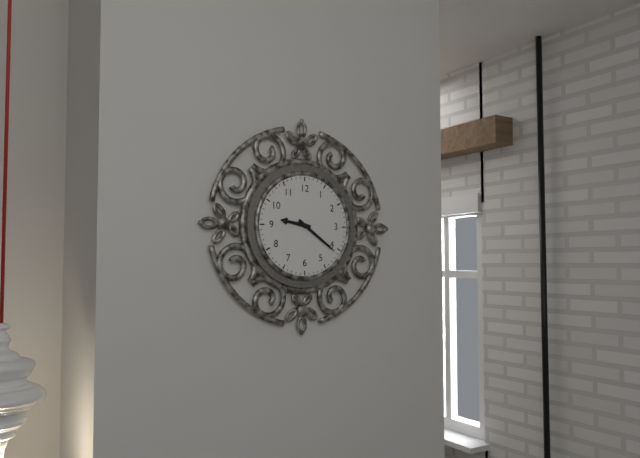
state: 9:21
